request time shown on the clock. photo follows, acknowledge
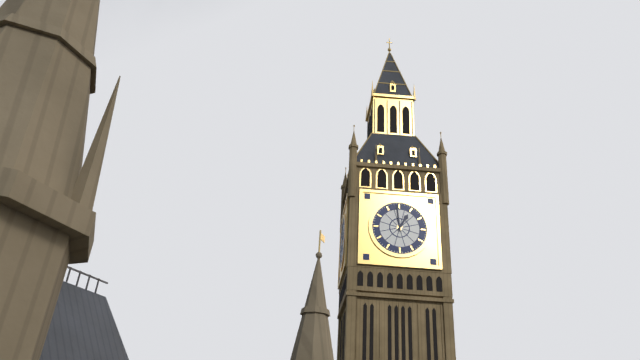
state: 12:59
